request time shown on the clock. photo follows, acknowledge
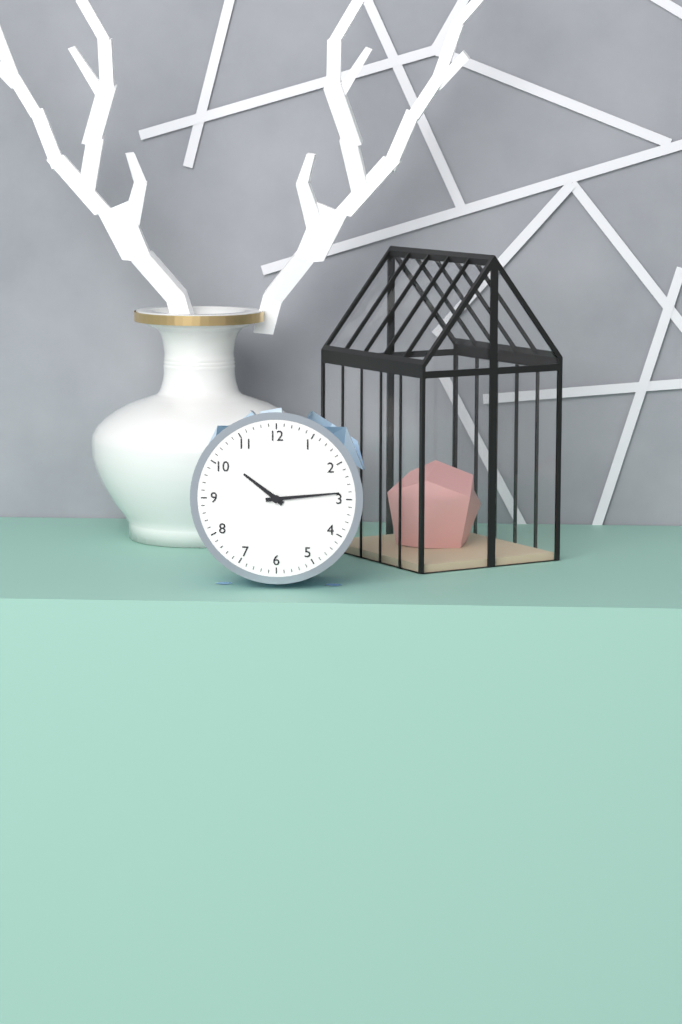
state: 10:14
